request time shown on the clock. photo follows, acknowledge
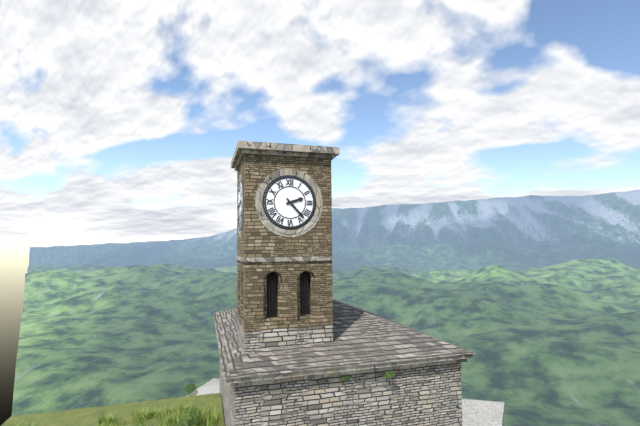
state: 2:23
